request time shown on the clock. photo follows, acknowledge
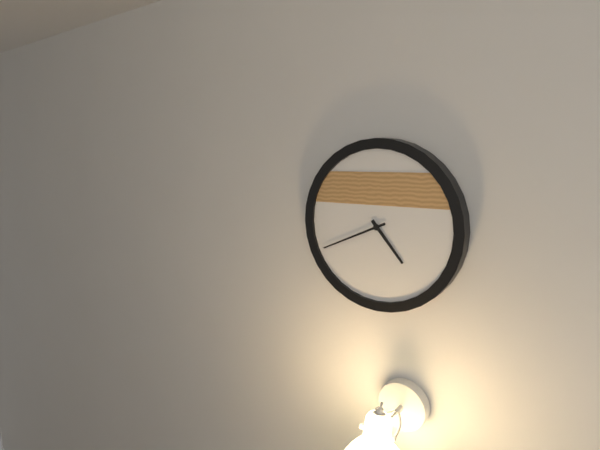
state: 4:41
